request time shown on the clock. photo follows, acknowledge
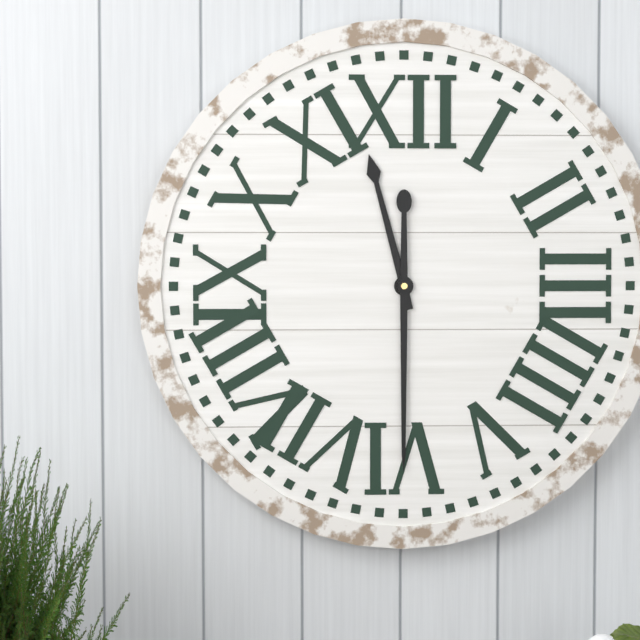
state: 11:30
